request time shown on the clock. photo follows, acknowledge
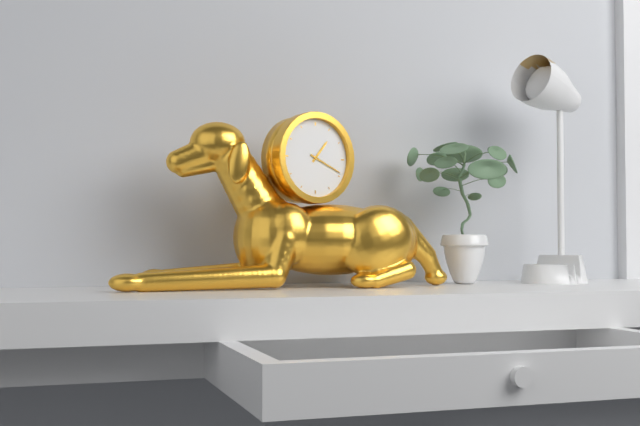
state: 1:19
